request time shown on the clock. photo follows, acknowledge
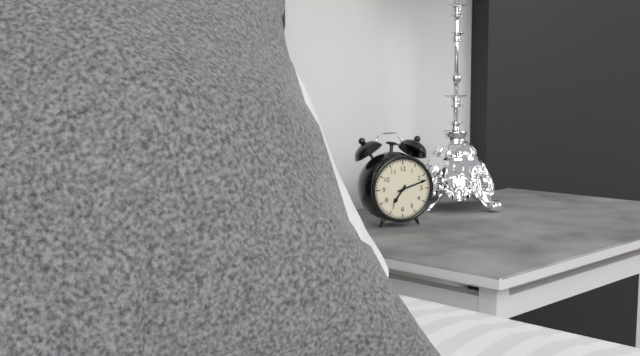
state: 7:12
